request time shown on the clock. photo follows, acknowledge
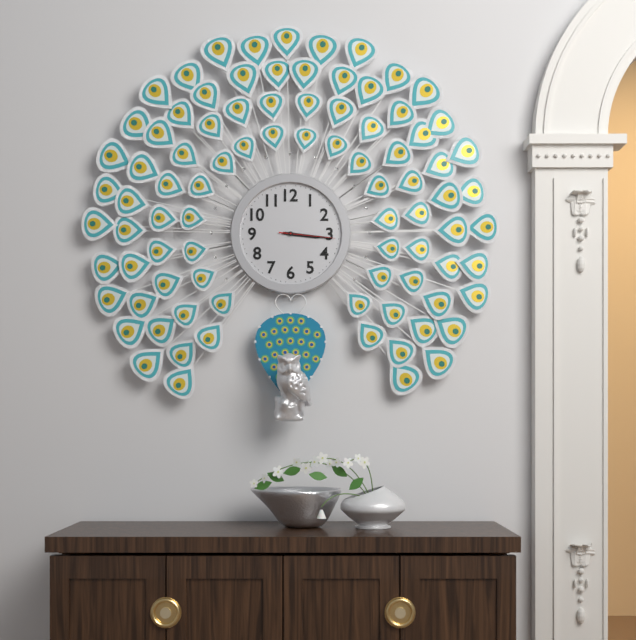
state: 3:16:16
